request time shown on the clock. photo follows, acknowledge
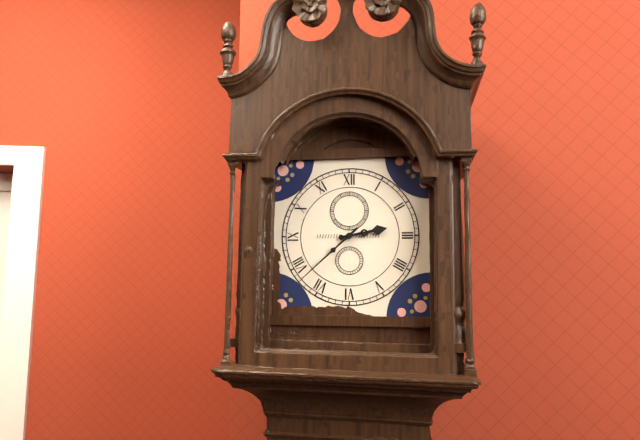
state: 2:38
